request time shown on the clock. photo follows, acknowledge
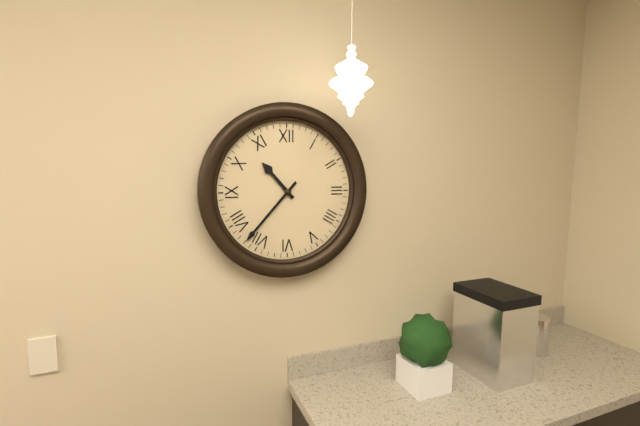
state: 10:37
